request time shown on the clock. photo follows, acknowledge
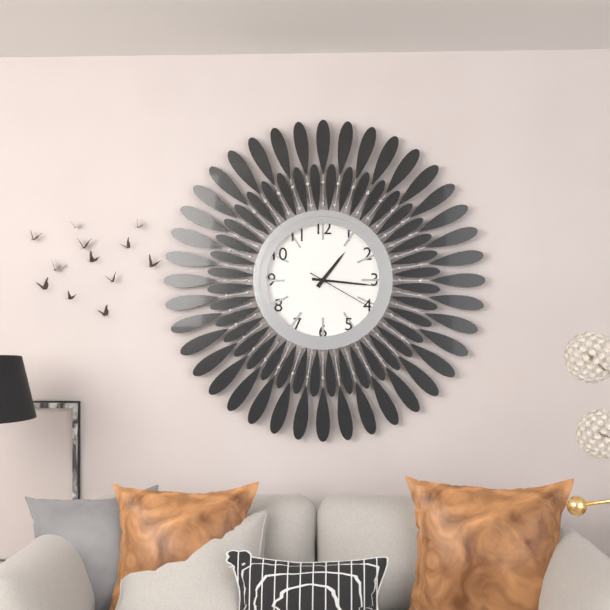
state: 1:16:20
